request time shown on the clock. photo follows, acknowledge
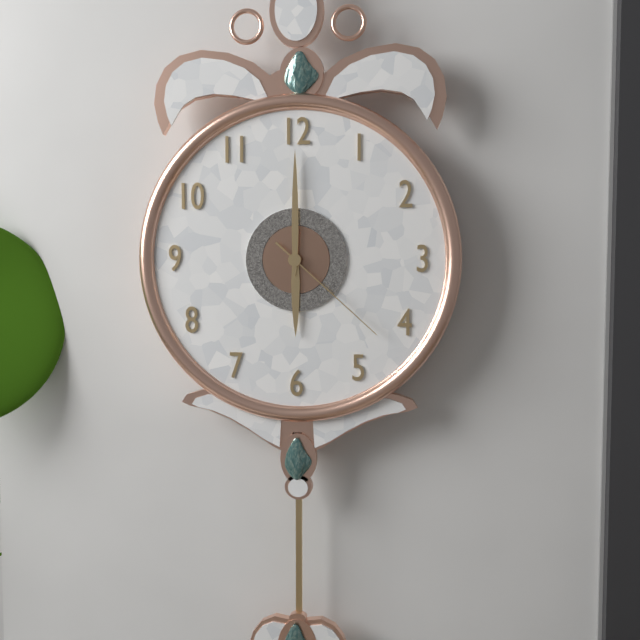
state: 6:00:22
